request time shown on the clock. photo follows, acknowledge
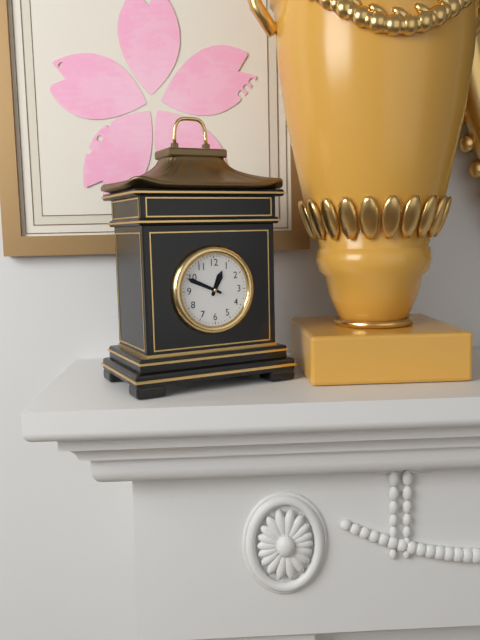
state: 12:49
